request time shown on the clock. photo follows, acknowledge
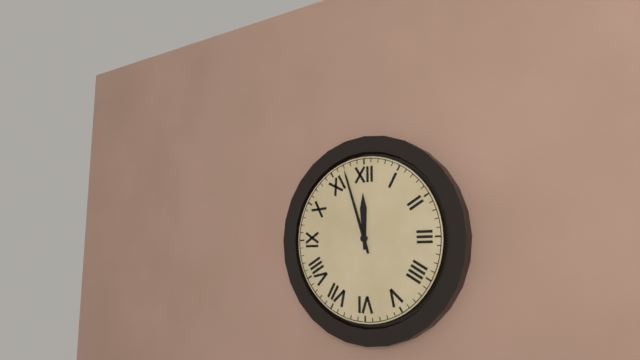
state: 11:57
